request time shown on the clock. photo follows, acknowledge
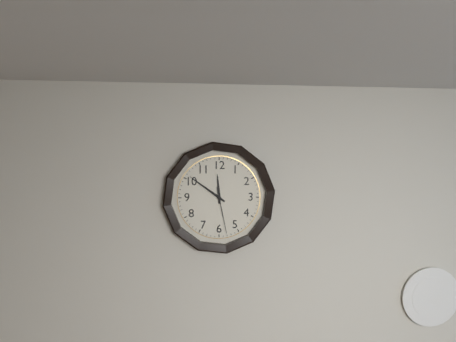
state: 11:51
